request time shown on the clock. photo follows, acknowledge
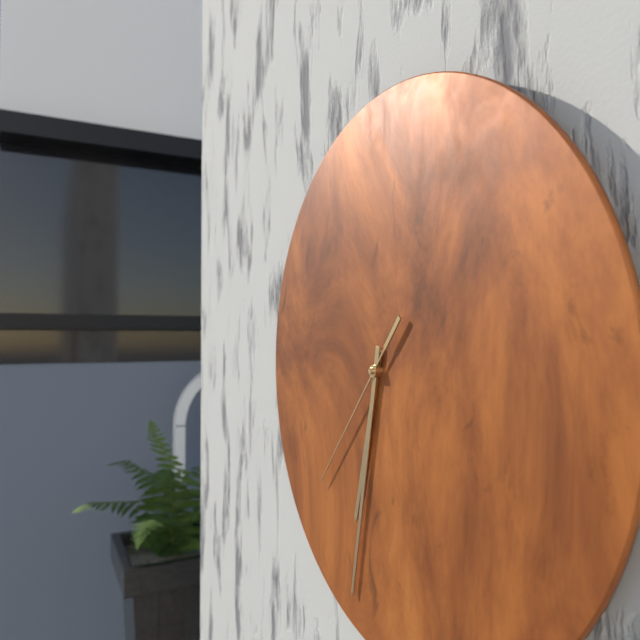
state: 6:32:37
